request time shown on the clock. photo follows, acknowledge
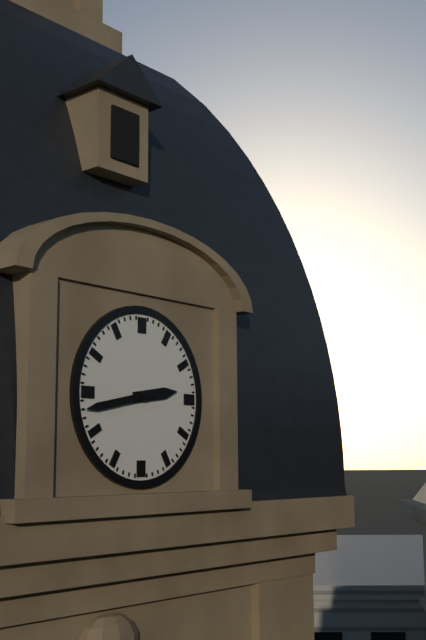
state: 2:43
